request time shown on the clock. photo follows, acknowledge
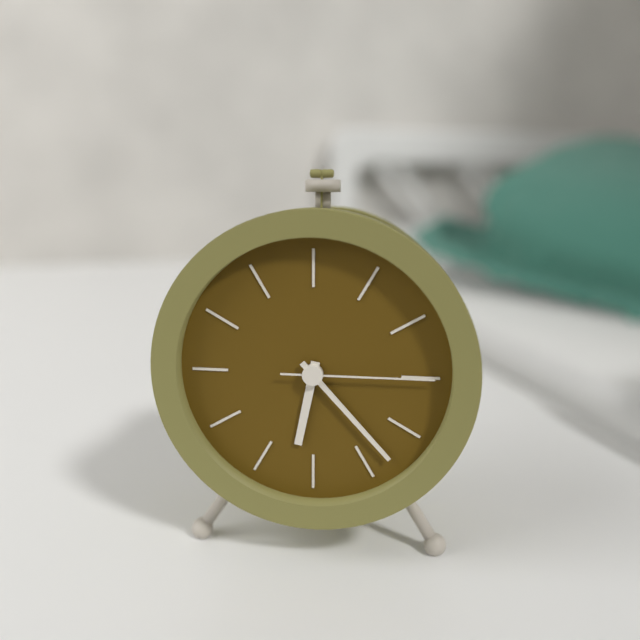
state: 6:23:15
